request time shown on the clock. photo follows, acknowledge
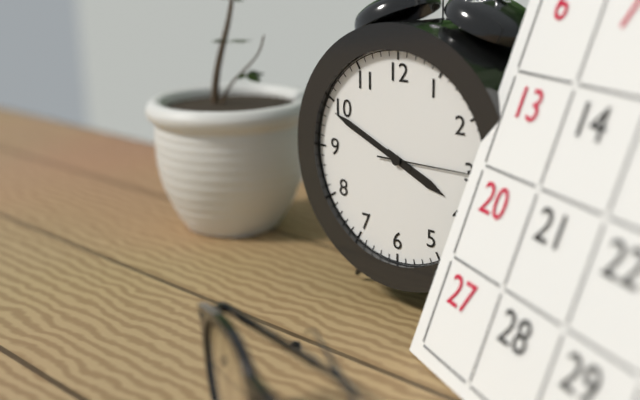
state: 3:49:15
